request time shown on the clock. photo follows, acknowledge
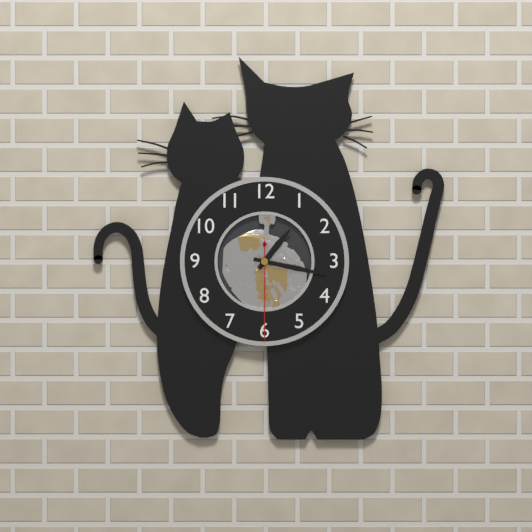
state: 1:17:30
